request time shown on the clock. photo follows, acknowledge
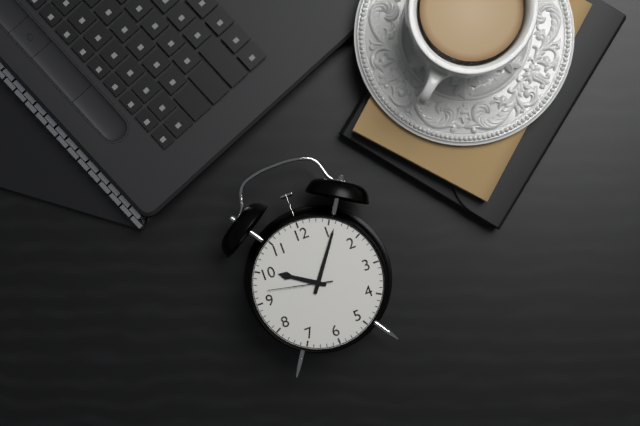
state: 10:06:47
